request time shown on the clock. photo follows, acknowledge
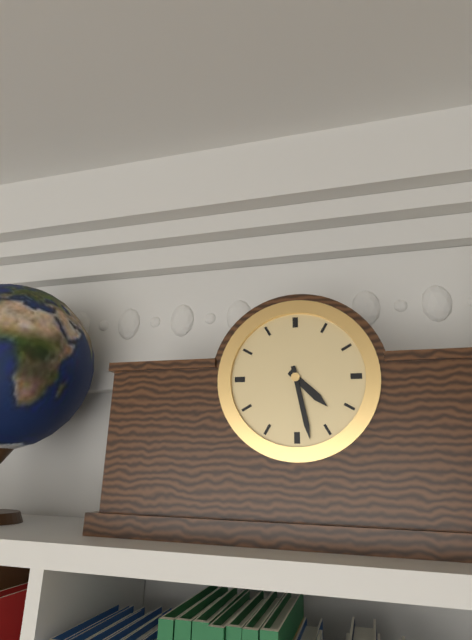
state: 4:28
